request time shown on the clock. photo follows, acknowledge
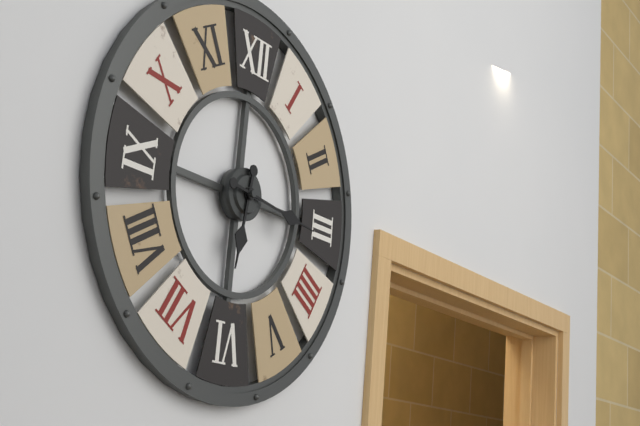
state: 6:16
